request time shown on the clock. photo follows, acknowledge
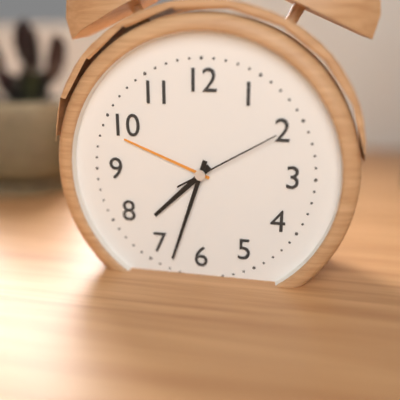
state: 7:33:10
